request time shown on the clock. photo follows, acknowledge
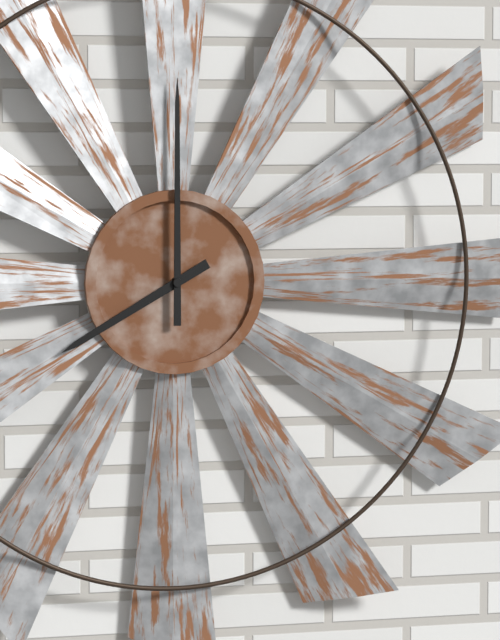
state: 8:00
